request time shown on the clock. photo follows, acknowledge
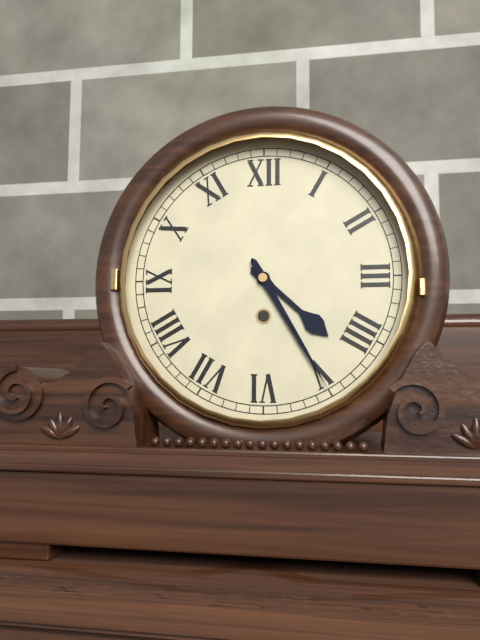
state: 4:25
